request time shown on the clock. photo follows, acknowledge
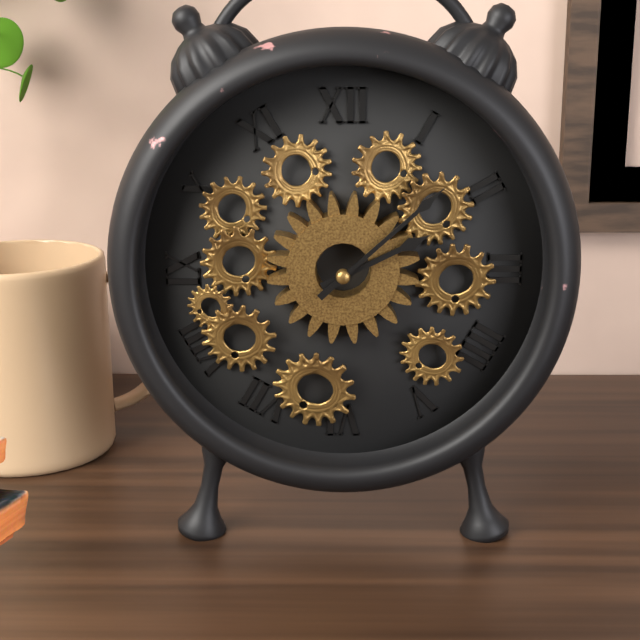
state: 2:08
